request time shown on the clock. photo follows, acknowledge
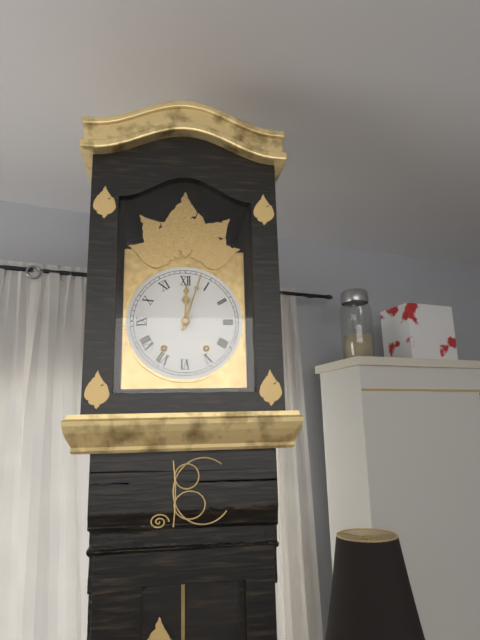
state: 12:03
